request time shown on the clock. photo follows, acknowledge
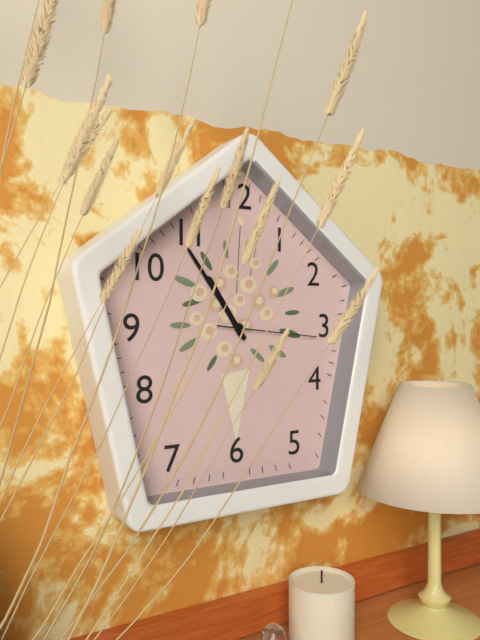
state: 10:54:16
